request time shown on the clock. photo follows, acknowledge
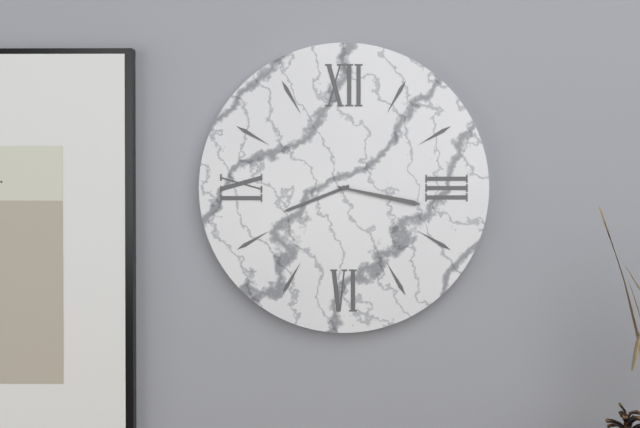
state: 8:17
